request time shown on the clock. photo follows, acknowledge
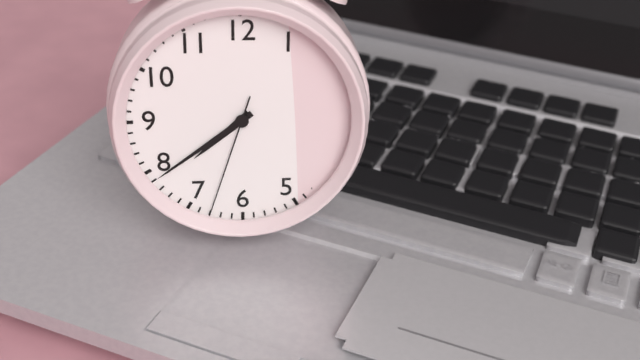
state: 7:39:33
